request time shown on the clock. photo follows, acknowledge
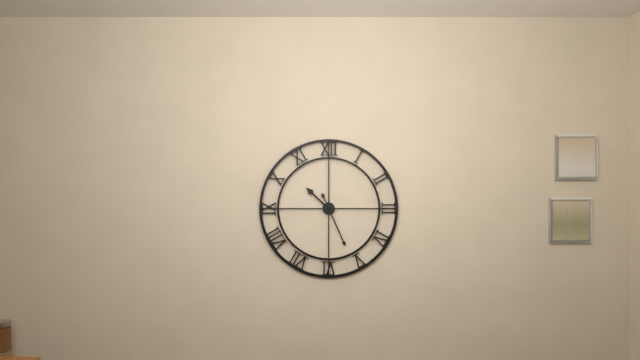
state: 10:26
